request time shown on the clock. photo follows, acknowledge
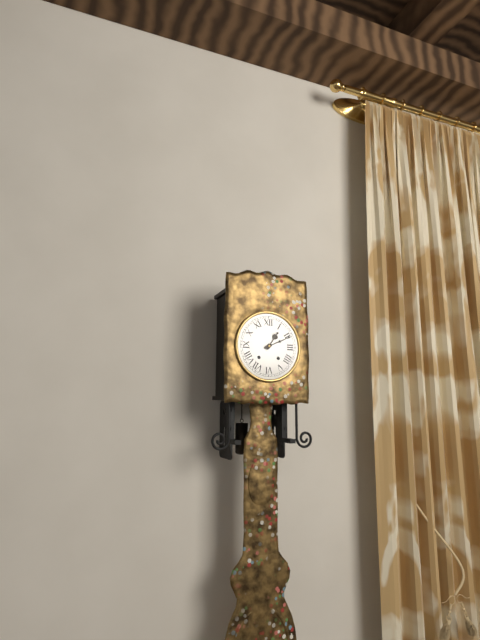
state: 1:11
